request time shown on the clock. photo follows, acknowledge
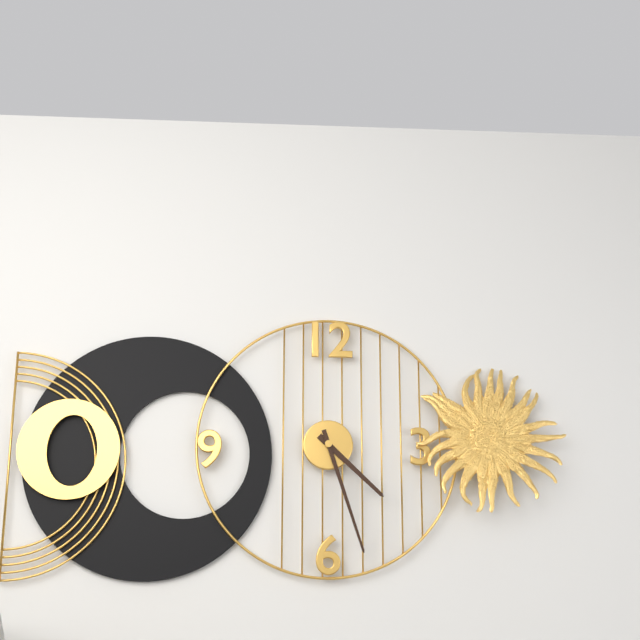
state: 4:27
